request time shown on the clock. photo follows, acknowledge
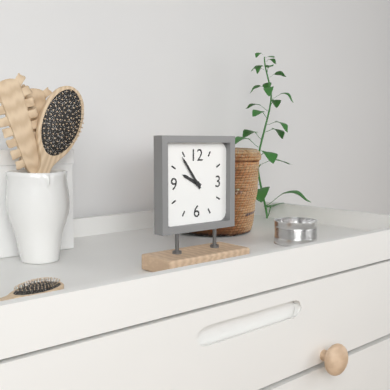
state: 9:54
